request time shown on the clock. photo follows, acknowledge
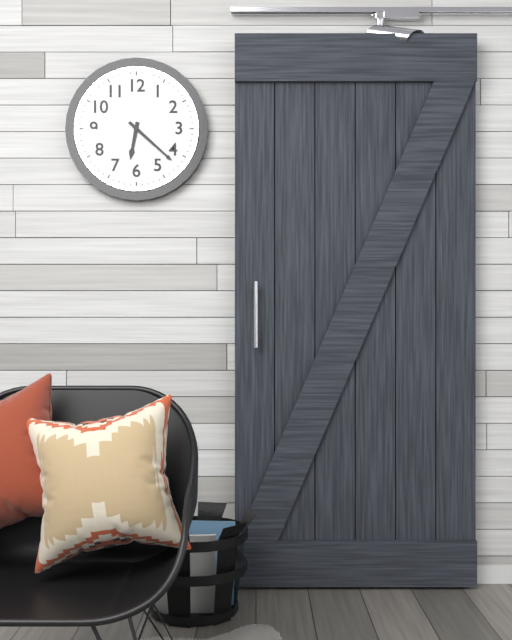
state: 6:22
